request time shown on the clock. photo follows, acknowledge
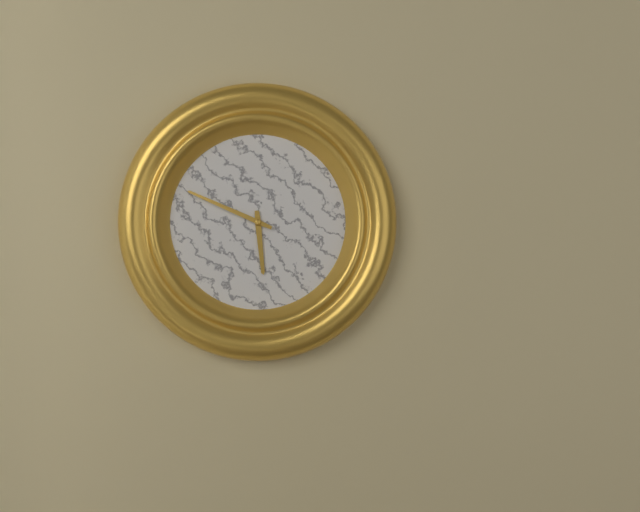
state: 5:49
